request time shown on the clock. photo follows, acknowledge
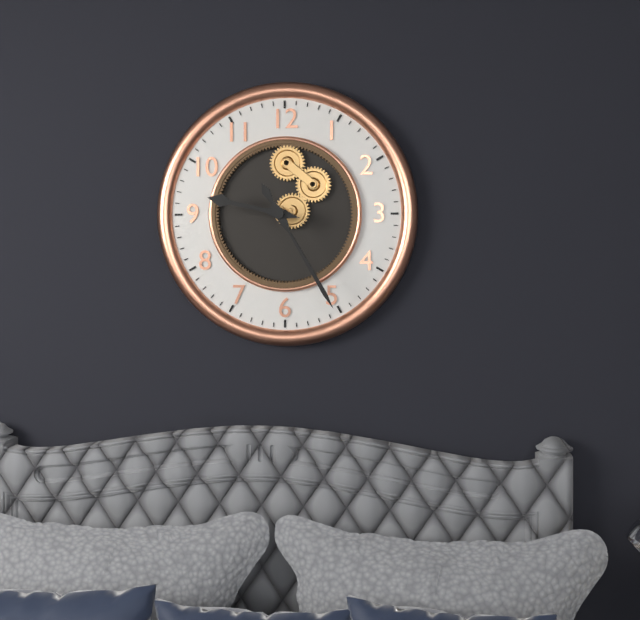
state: 9:25
